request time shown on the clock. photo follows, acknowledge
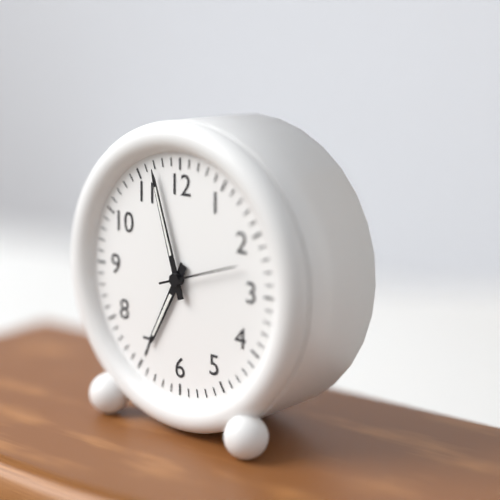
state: 6:57:12
